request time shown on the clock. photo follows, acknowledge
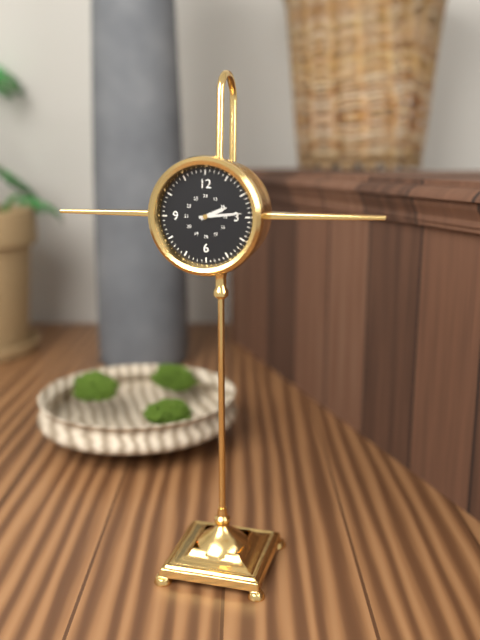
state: 2:14
